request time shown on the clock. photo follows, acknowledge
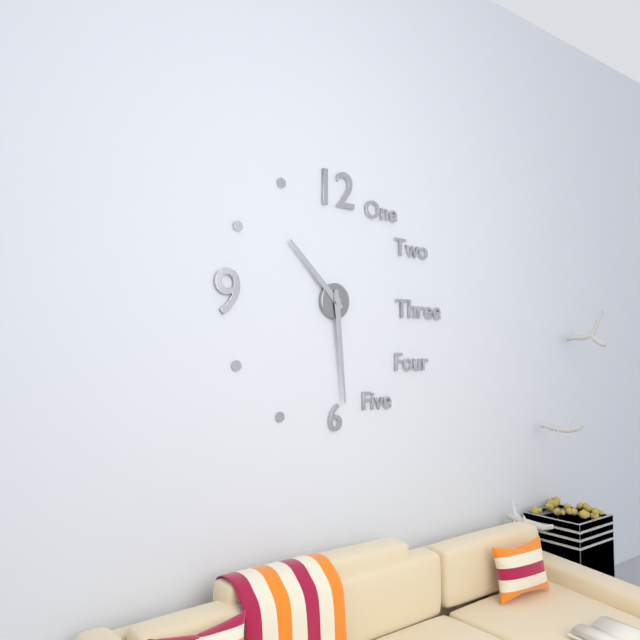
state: 10:29
